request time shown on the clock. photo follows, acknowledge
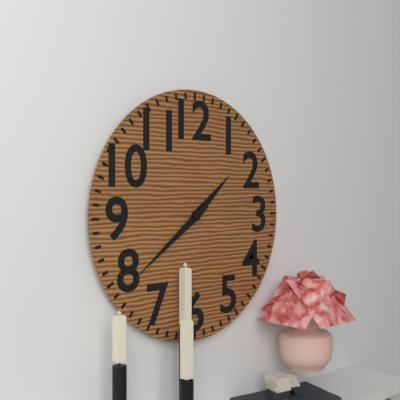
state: 1:39
